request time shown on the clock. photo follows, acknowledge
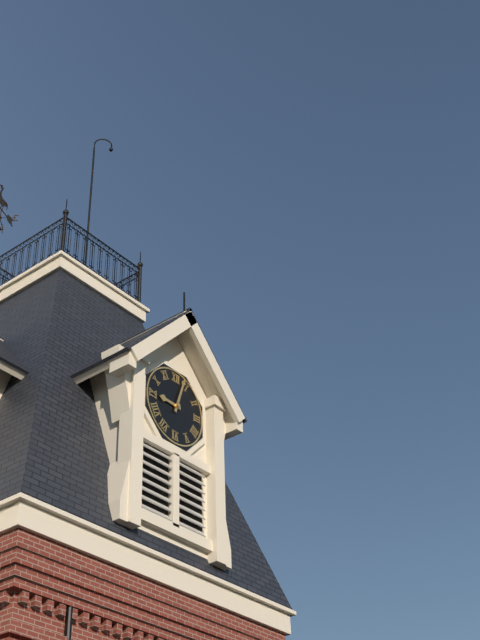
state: 9:03
